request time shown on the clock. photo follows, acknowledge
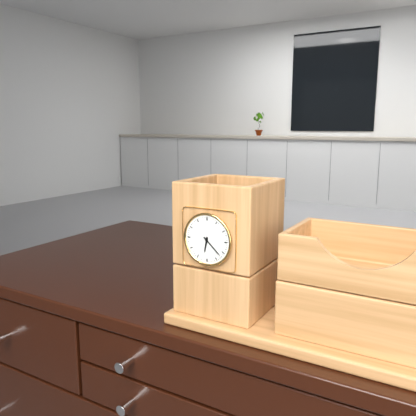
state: 6:22
